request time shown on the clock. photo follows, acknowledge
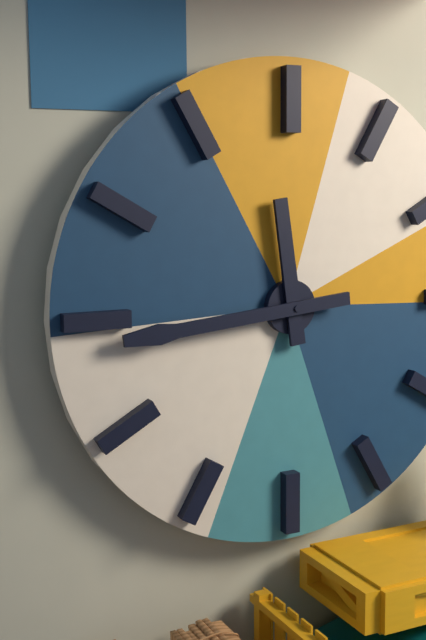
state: 11:44
